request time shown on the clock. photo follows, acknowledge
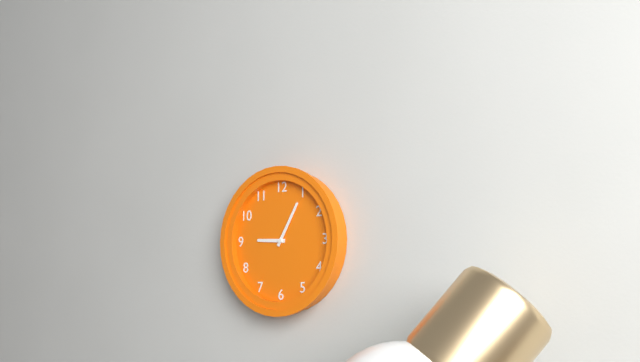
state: 9:05
